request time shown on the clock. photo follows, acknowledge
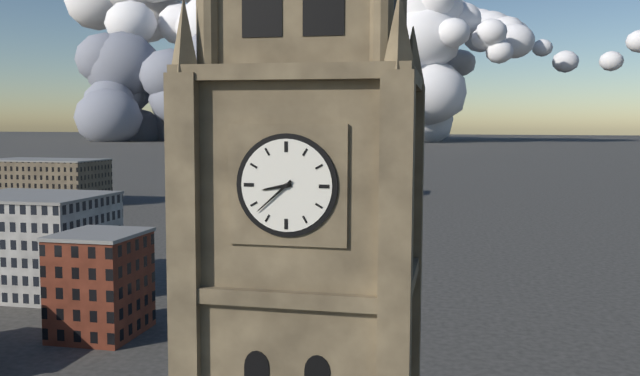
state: 8:38
